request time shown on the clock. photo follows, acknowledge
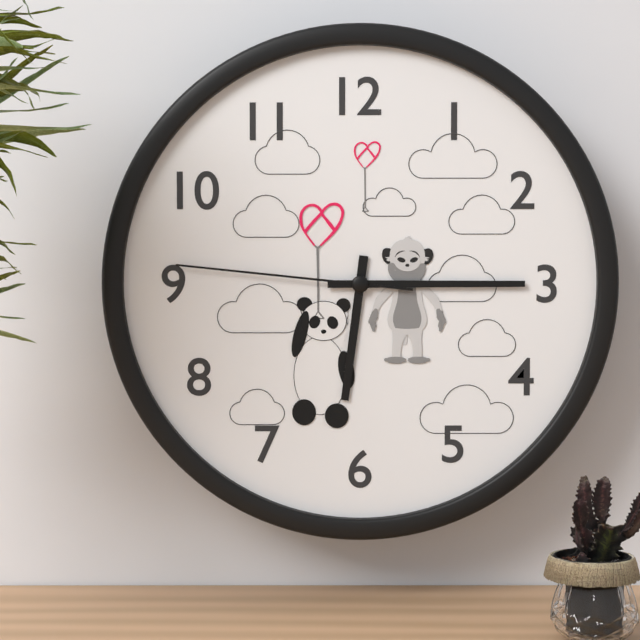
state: 6:15:46
